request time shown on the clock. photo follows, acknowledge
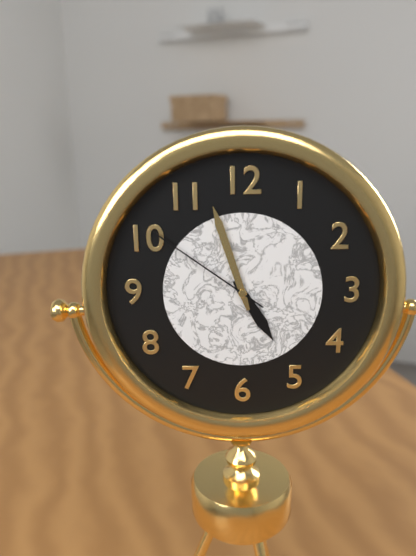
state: 4:57:51
